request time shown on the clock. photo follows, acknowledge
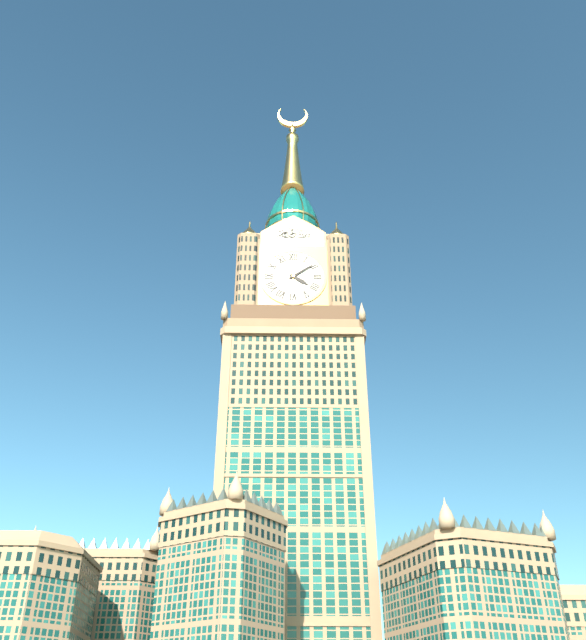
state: 4:09
